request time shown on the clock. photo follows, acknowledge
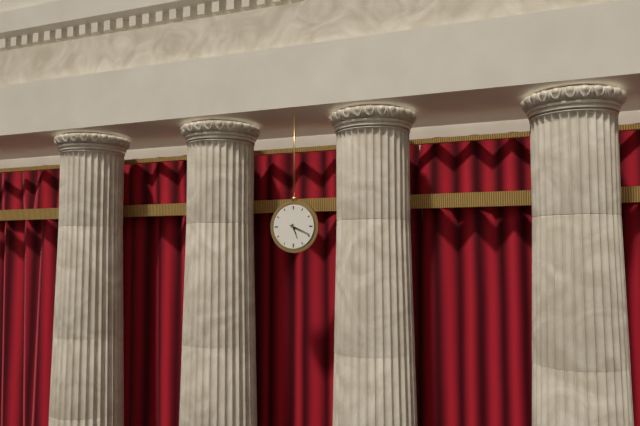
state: 5:19
